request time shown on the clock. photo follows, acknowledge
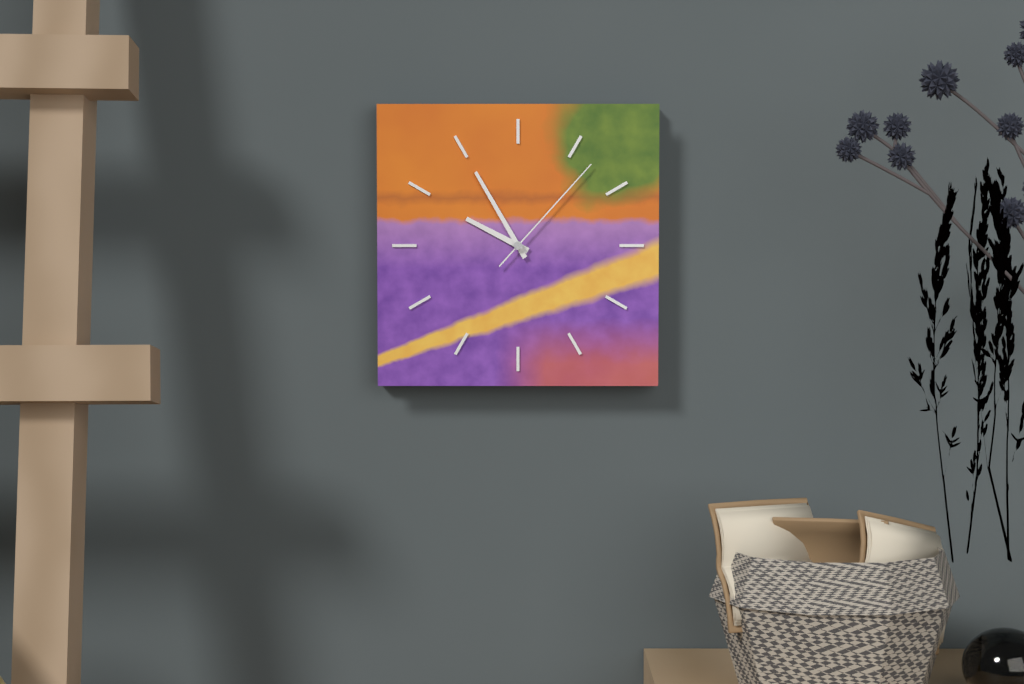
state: 9:55:07
